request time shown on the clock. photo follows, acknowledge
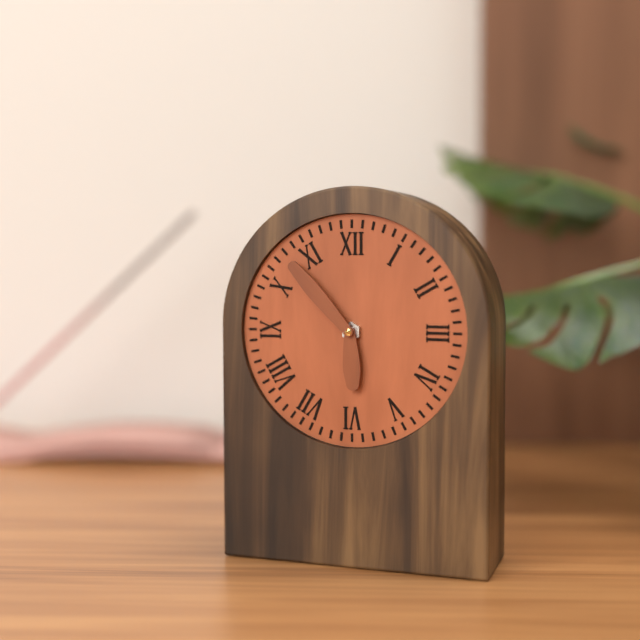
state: 5:53
